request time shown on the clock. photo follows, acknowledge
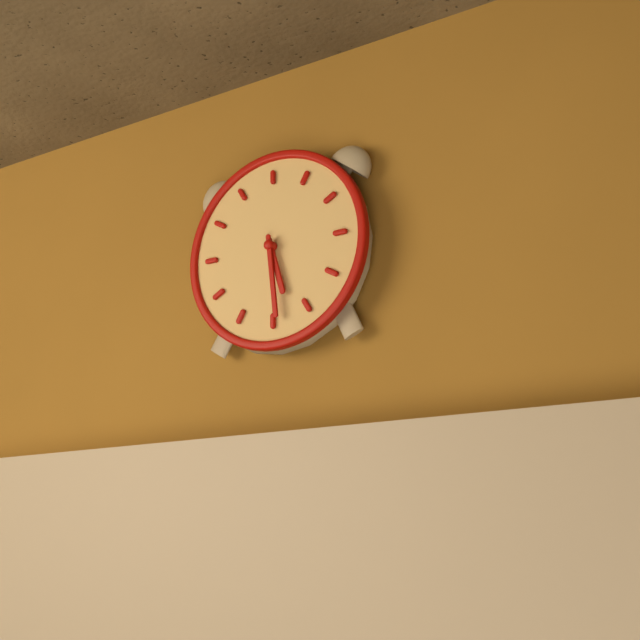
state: 5:29
